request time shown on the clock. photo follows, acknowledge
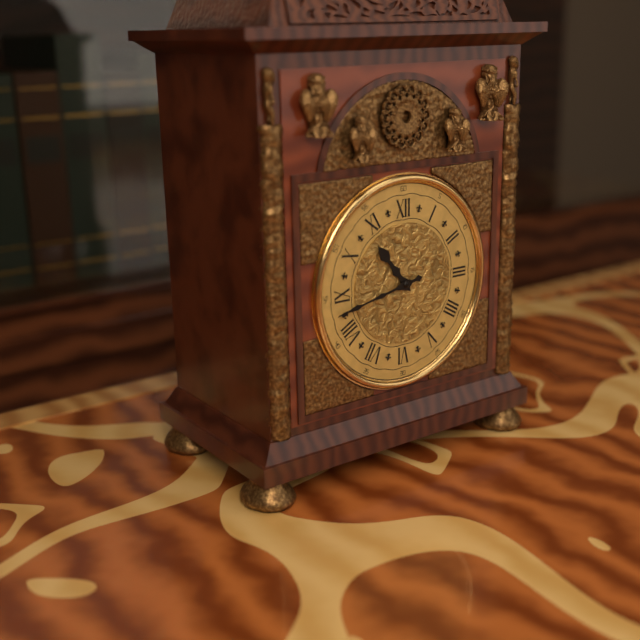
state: 10:43
